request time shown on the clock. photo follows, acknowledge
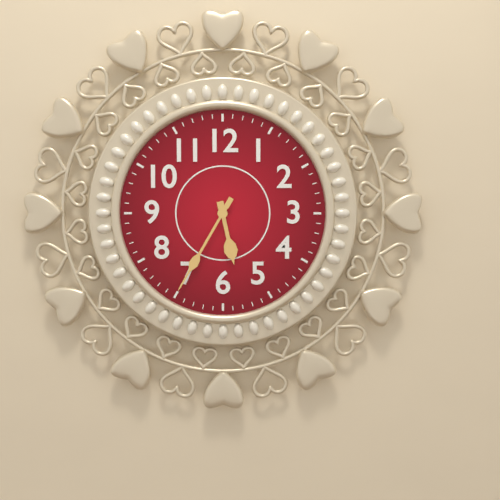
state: 5:35
